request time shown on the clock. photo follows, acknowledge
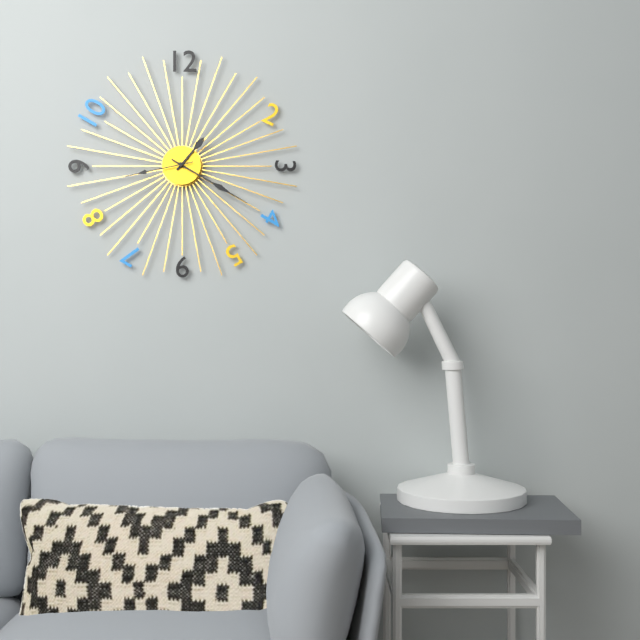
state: 1:20:43
